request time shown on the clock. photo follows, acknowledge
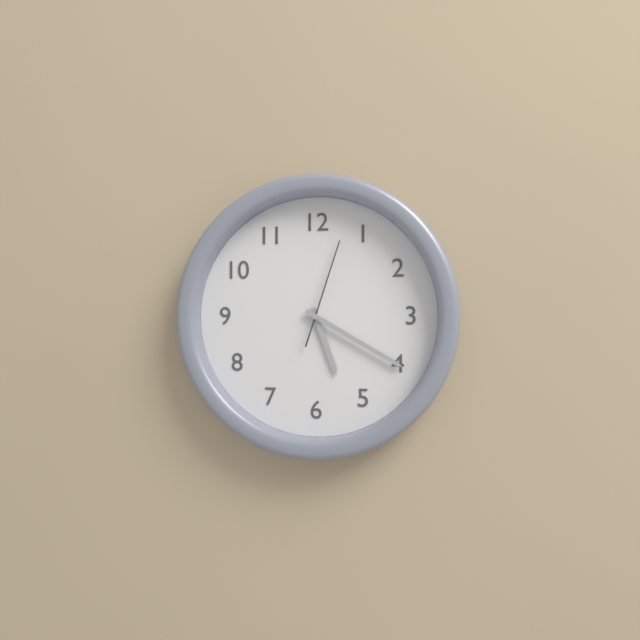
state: 5:20:03
